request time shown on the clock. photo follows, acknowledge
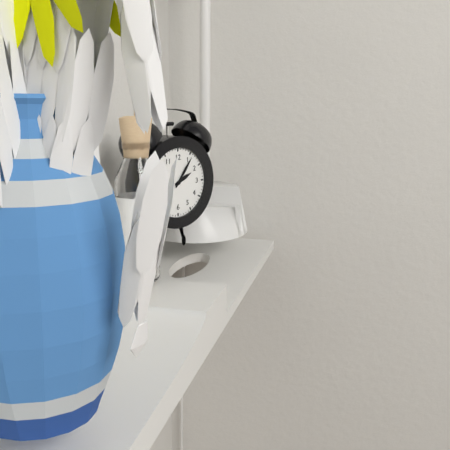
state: 2:06
